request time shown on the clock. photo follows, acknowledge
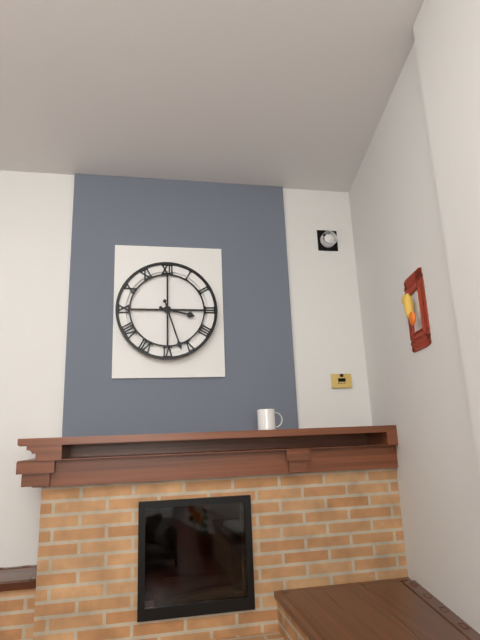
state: 3:27
